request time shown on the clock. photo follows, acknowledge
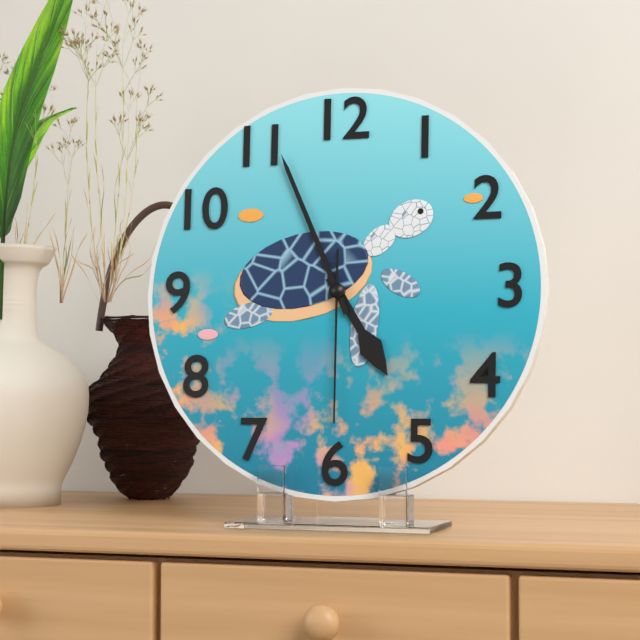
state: 4:56:30
